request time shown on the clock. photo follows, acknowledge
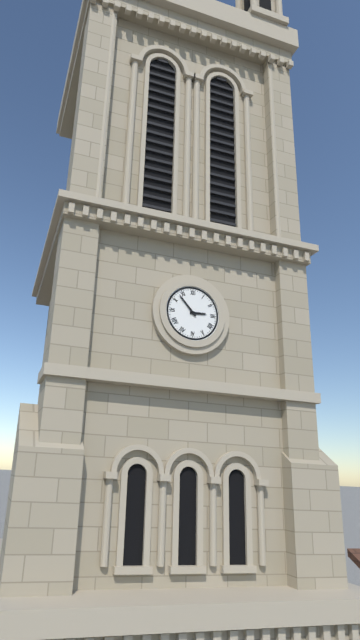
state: 2:53
